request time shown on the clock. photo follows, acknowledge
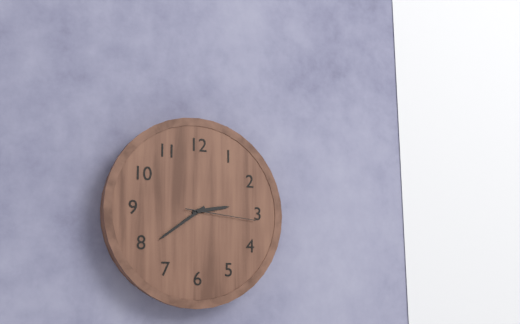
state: 2:39:16
